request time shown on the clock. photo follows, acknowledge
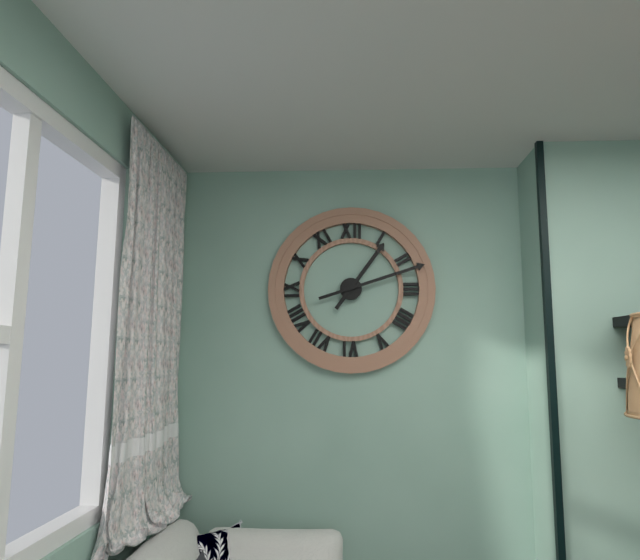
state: 1:12
